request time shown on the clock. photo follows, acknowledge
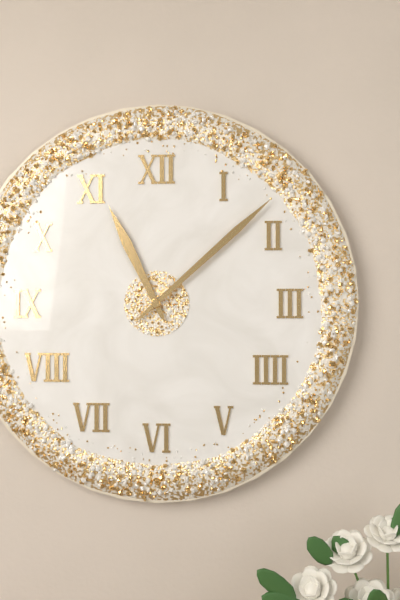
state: 11:08
